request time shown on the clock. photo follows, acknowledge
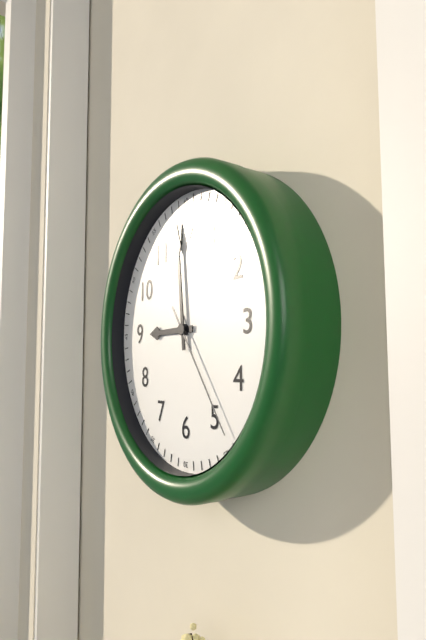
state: 8:59:24
